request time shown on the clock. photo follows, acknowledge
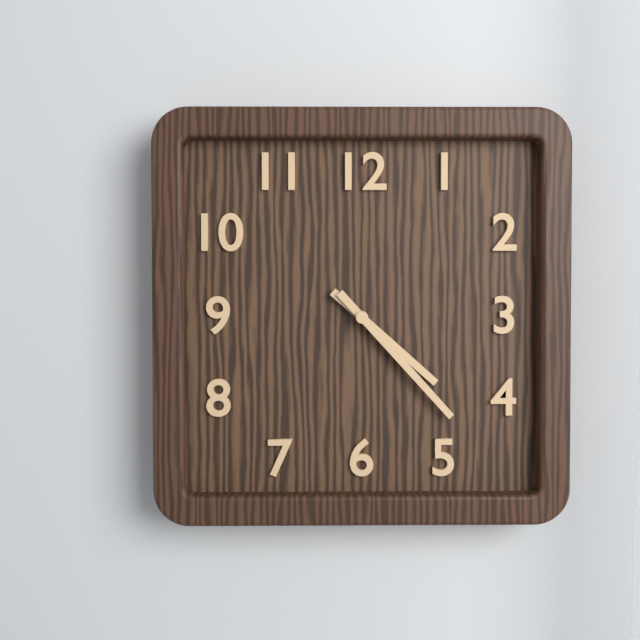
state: 4:23
